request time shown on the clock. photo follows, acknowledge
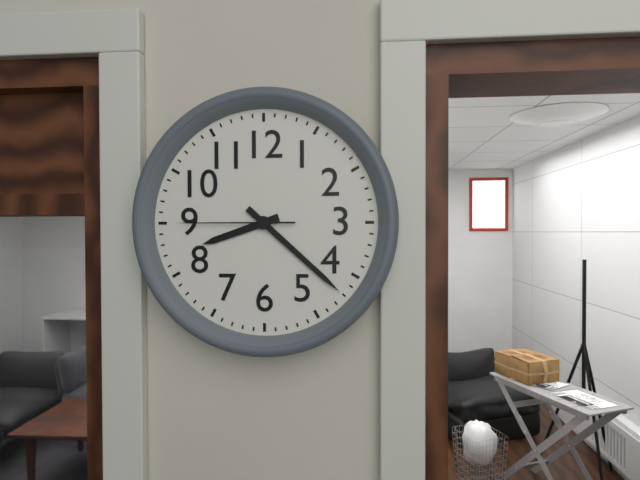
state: 8:22:45
